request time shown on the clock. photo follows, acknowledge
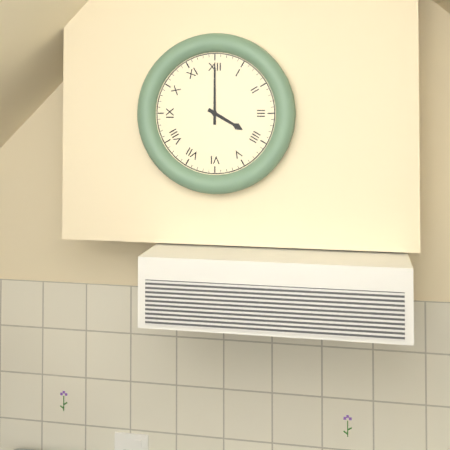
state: 4:00
